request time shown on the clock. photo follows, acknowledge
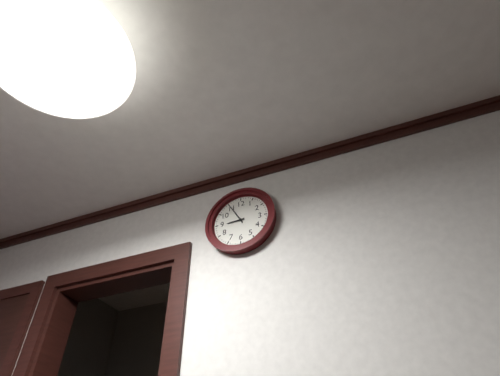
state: 8:55
